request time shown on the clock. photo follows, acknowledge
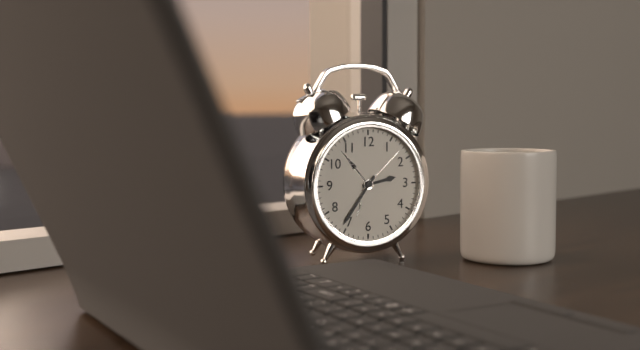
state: 2:36
